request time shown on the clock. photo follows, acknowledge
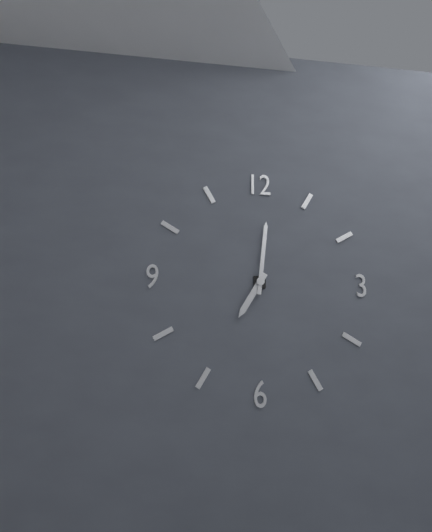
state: 7:01
